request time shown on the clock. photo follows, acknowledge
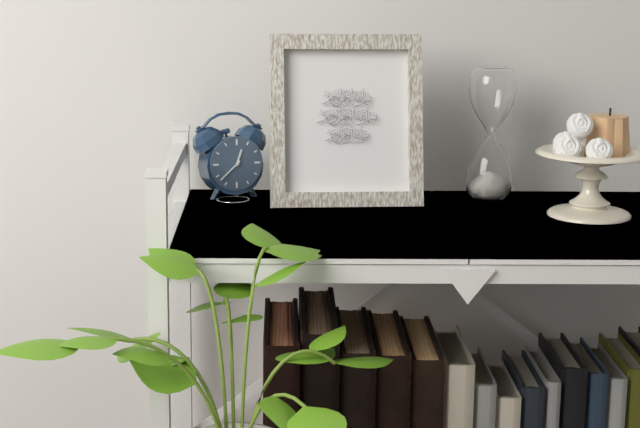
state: 12:38
